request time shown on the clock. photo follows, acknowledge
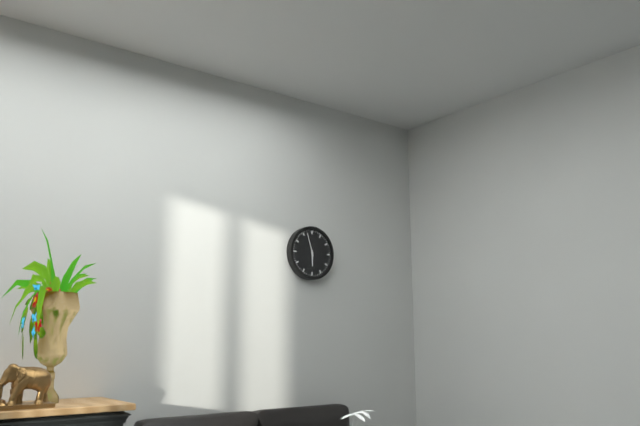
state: 5:57
